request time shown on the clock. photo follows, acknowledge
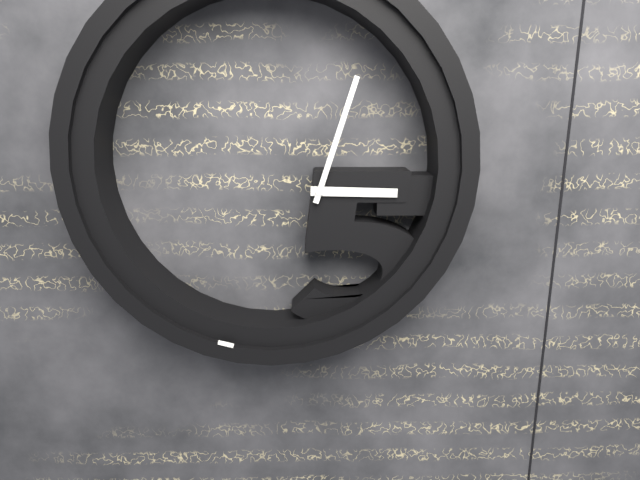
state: 3:03
